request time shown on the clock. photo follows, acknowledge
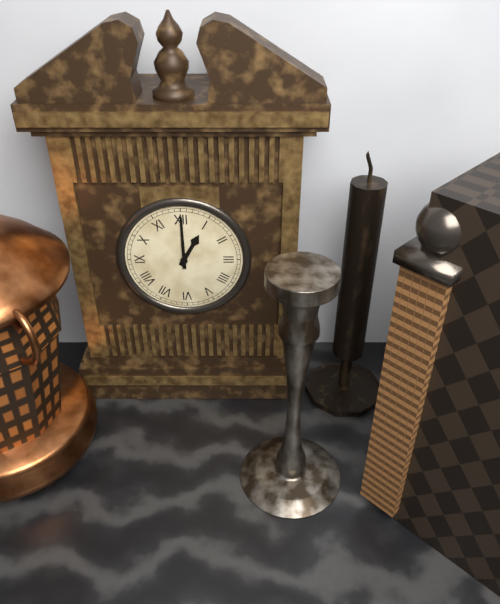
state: 1:00
